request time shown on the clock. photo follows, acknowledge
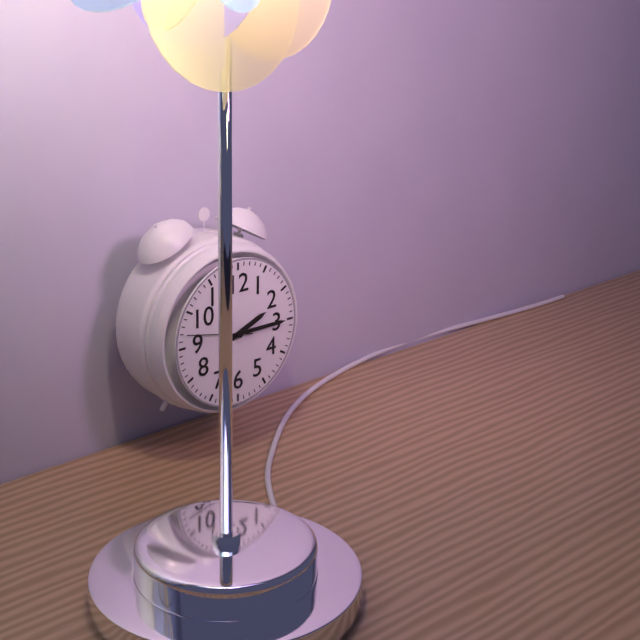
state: 2:15:47
